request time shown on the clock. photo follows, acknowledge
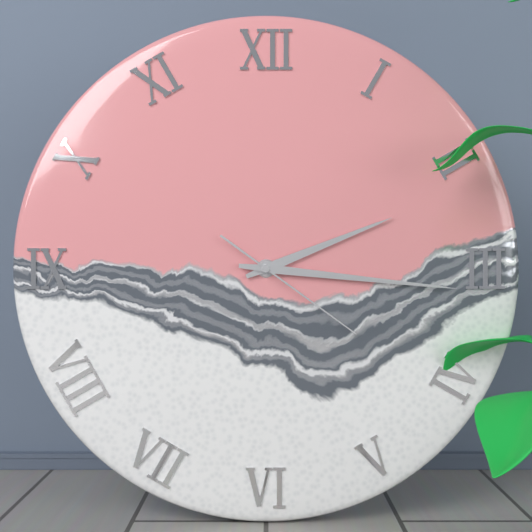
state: 2:16:21
